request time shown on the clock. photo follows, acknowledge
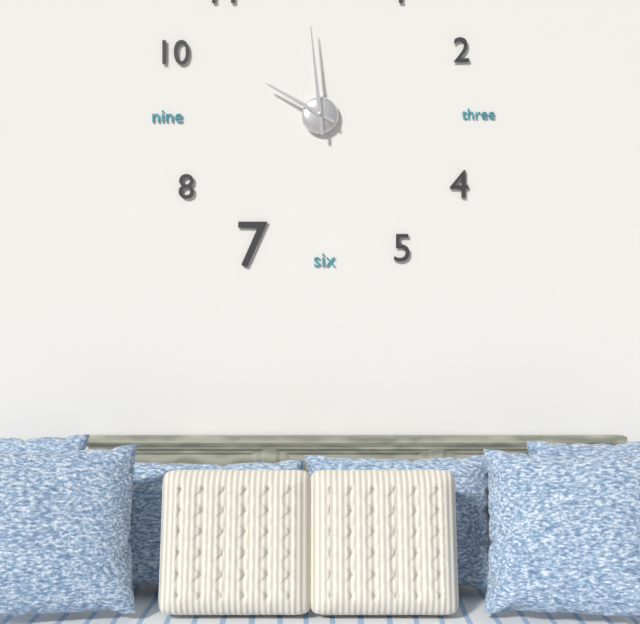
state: 9:59
